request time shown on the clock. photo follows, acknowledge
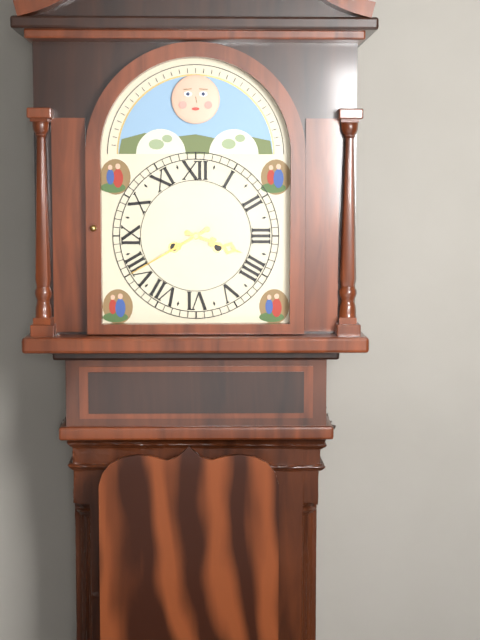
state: 3:40
